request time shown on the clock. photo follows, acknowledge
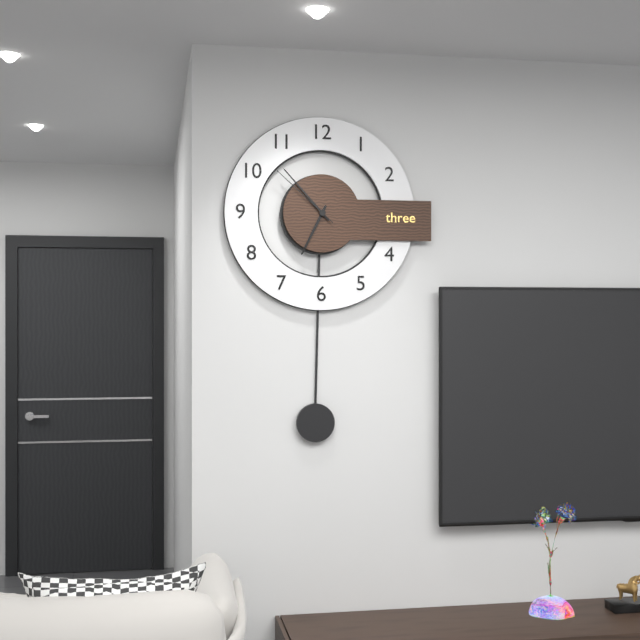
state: 6:53:52
